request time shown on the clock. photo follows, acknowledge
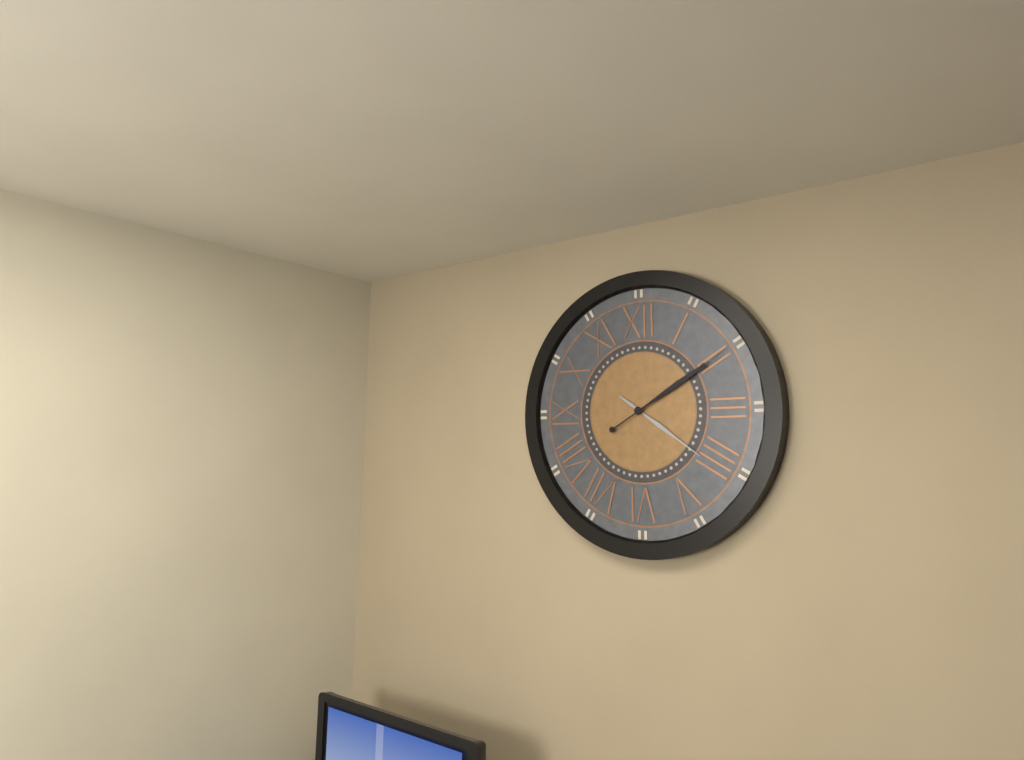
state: 4:10
